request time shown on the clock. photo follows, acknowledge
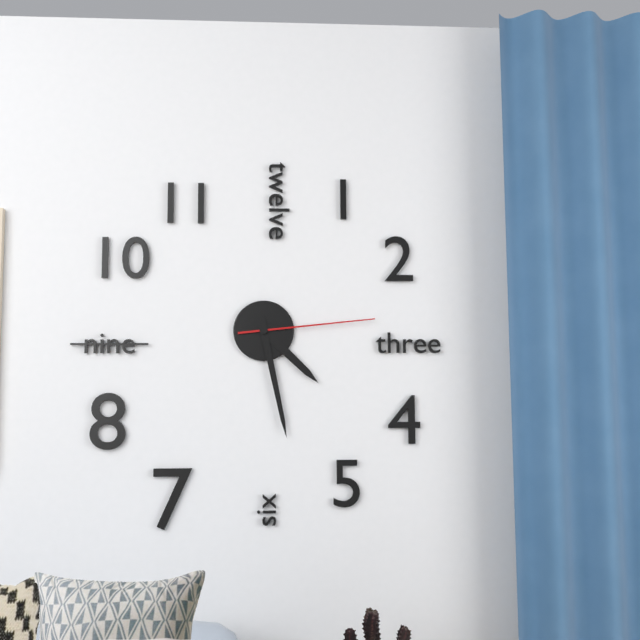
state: 4:28:14
